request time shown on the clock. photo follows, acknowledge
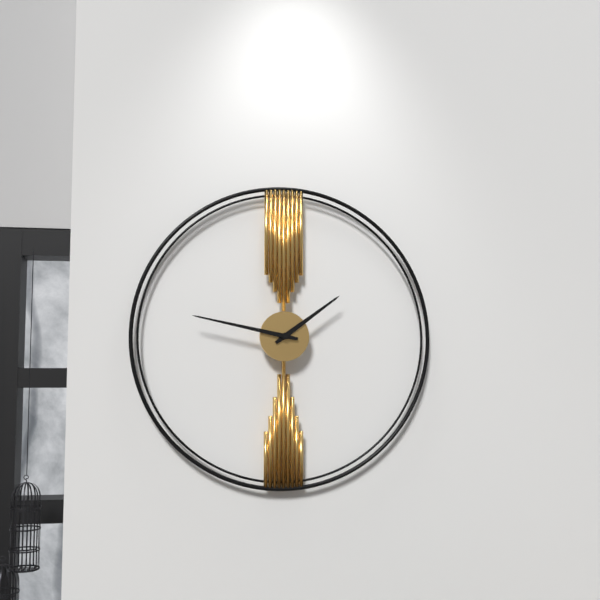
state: 1:47
